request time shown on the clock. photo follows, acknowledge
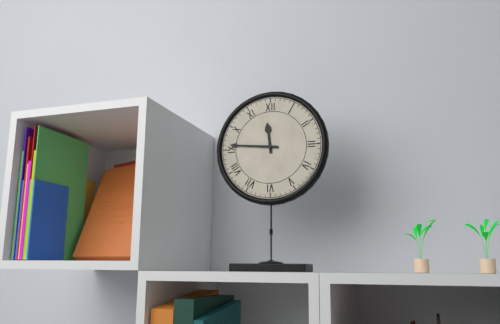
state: 11:46
